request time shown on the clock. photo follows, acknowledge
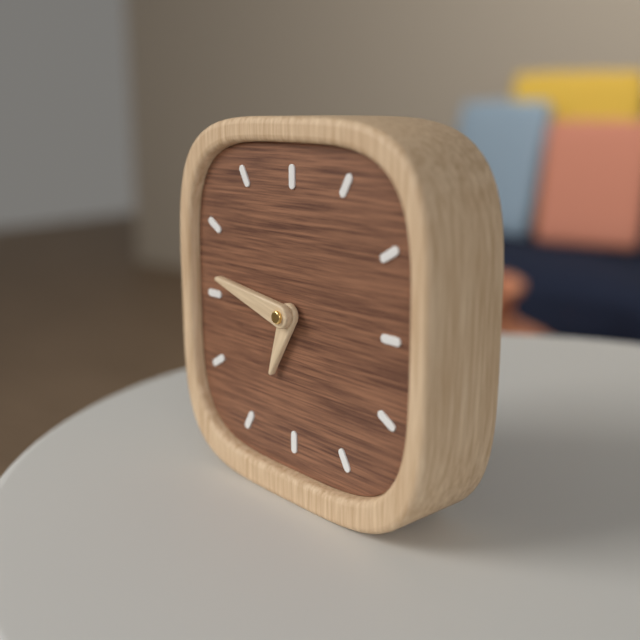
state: 6:47
